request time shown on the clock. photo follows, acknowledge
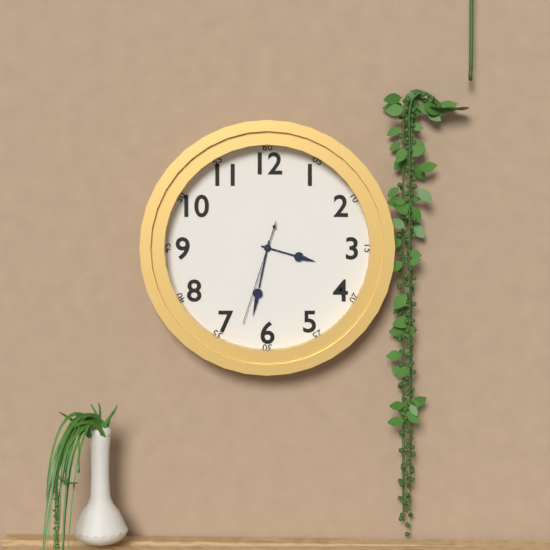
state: 3:32:33
